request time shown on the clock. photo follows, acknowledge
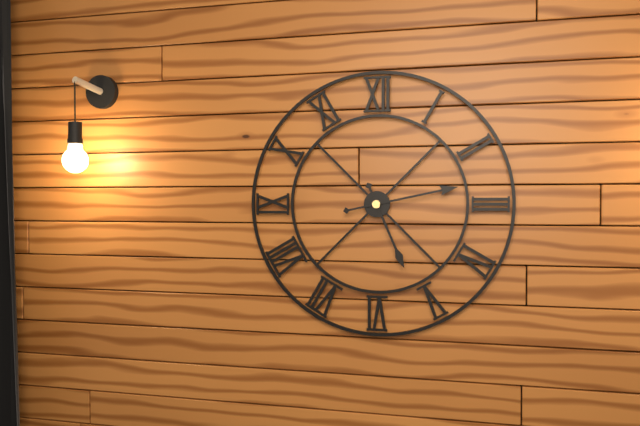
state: 5:13
